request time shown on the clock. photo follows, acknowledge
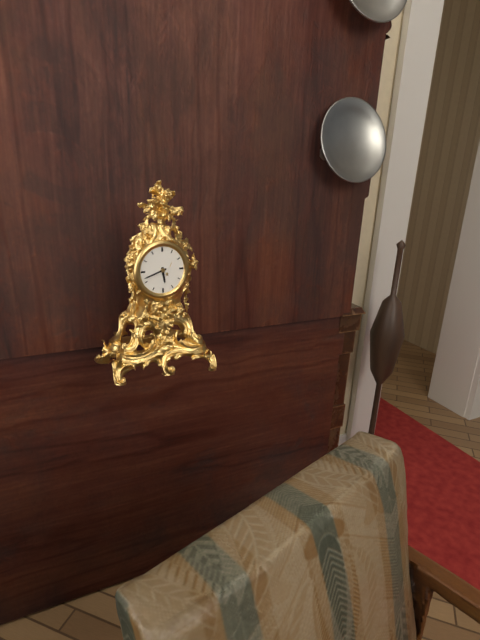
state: 5:42
